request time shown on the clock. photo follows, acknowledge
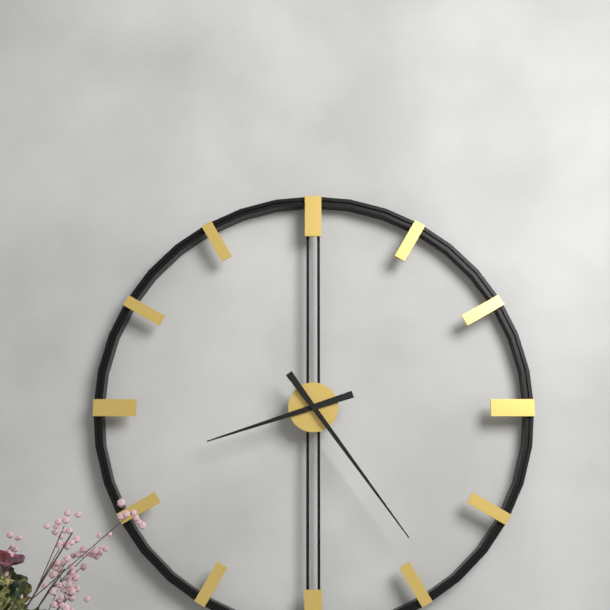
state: 8:24
